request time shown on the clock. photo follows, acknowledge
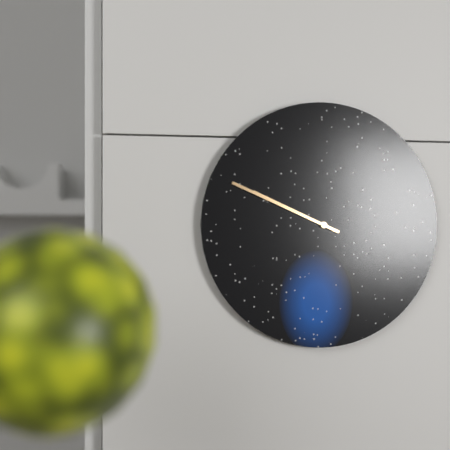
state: 9:49
